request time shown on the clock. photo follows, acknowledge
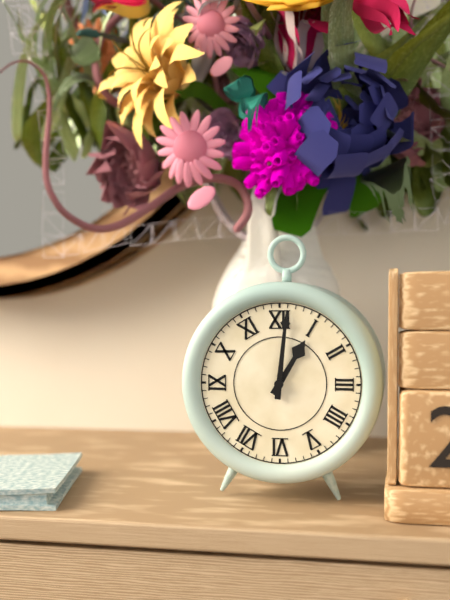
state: 1:01
